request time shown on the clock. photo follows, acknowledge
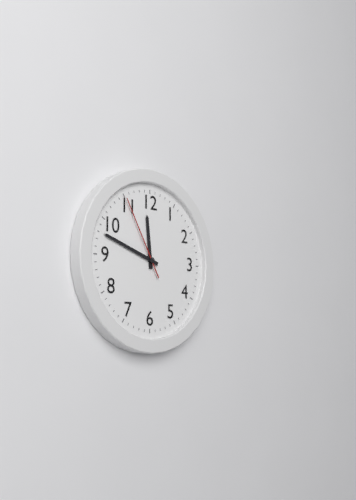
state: 11:48:55
